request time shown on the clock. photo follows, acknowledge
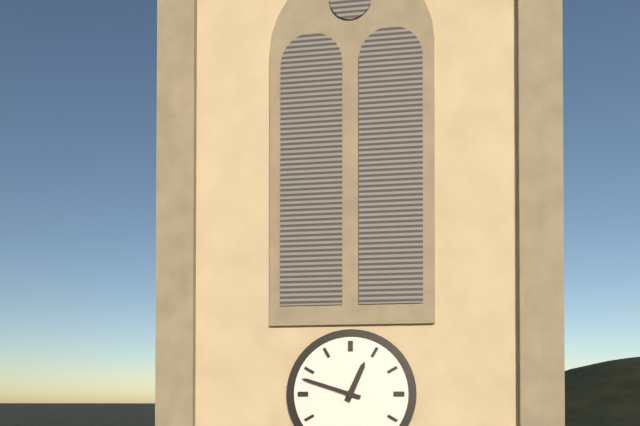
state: 12:48
